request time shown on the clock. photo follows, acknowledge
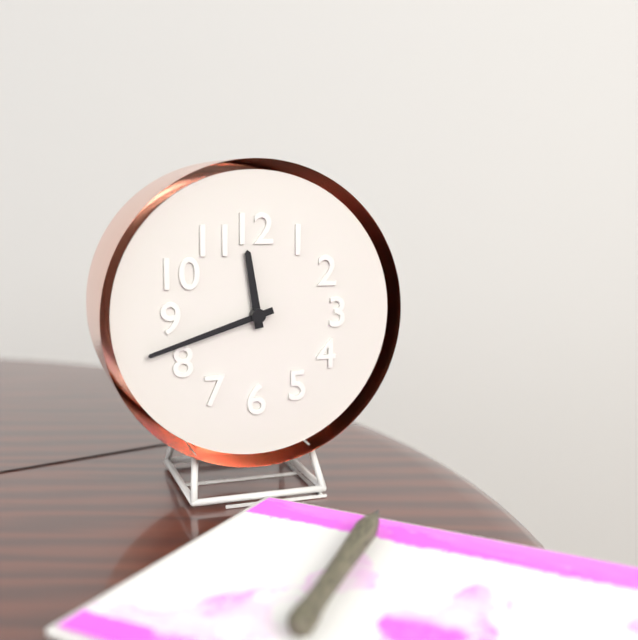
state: 11:42
